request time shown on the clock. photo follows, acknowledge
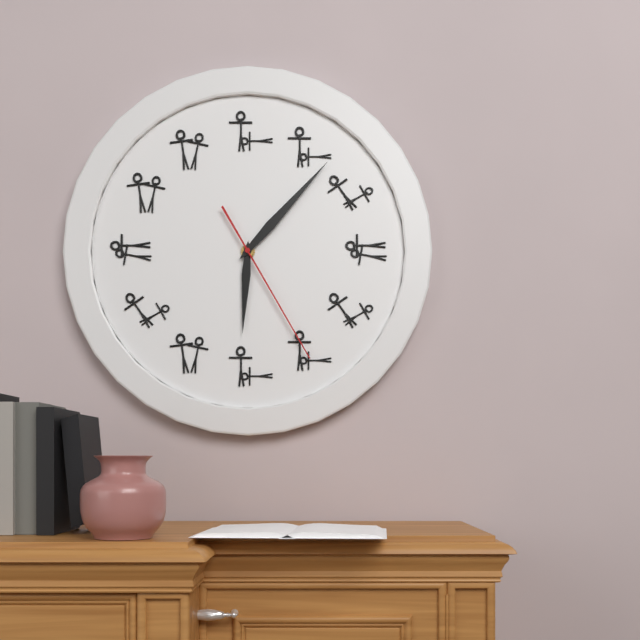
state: 6:07:25
